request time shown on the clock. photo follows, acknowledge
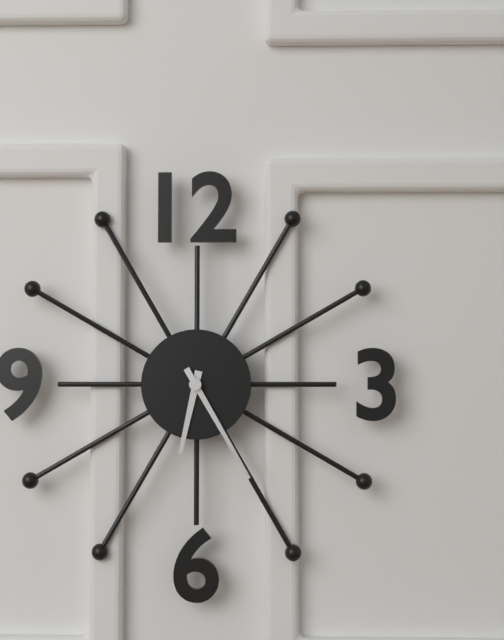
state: 6:25
